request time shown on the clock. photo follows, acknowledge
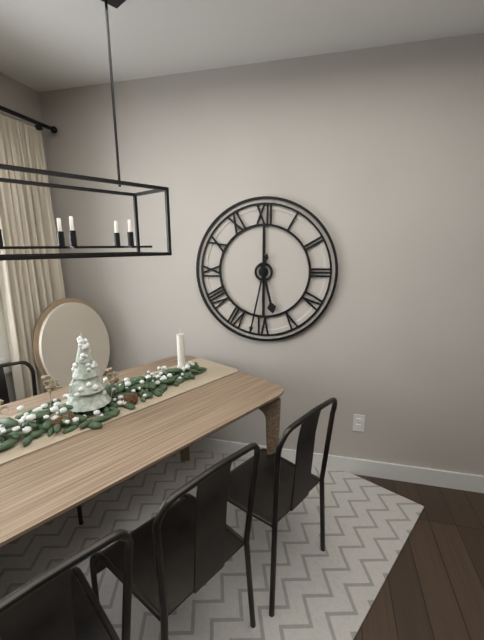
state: 5:32
